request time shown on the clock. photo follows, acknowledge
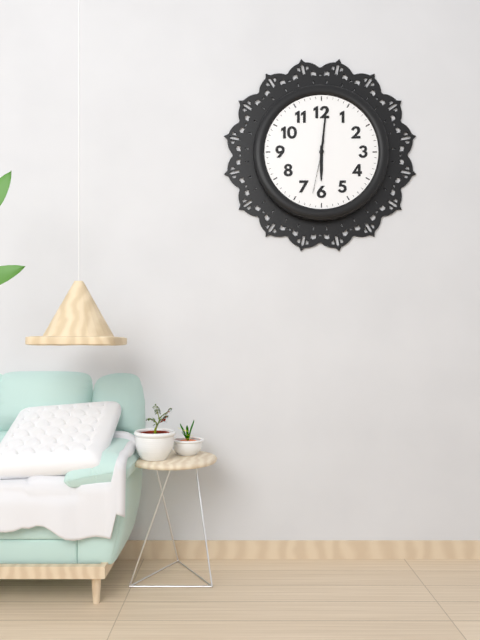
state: 6:01:32
